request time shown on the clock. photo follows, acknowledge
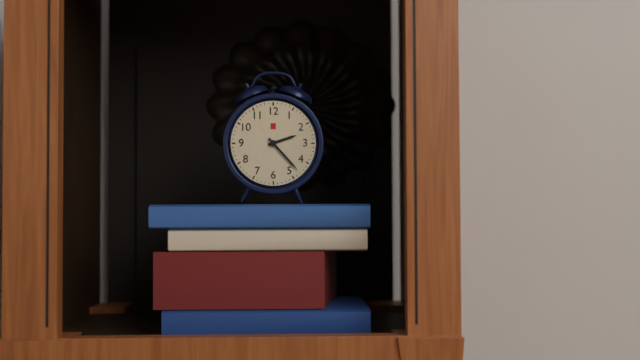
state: 2:23
